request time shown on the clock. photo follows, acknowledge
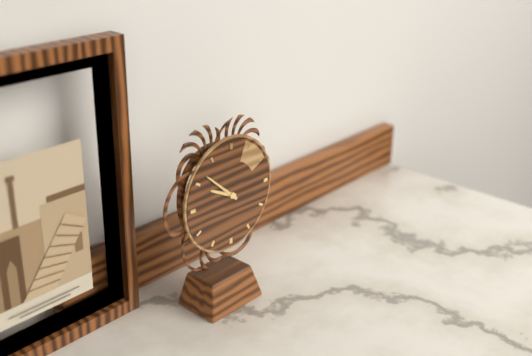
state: 9:52
